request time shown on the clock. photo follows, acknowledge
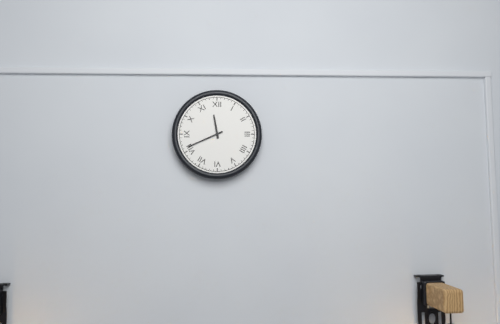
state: 11:41
